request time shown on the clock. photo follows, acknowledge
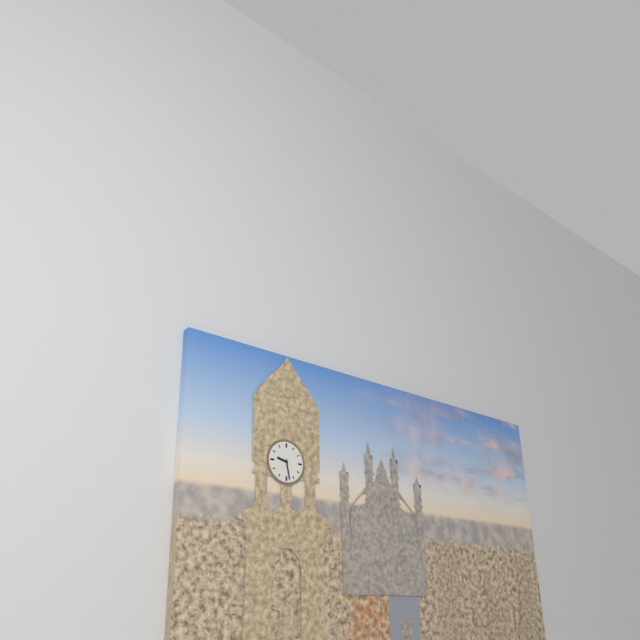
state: 9:28
